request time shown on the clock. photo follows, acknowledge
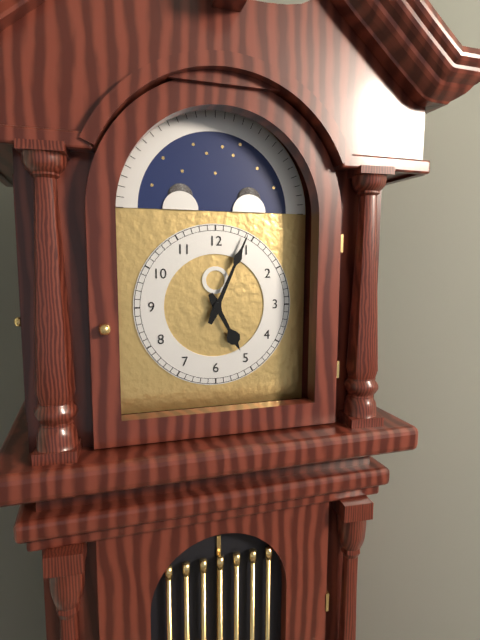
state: 5:04
